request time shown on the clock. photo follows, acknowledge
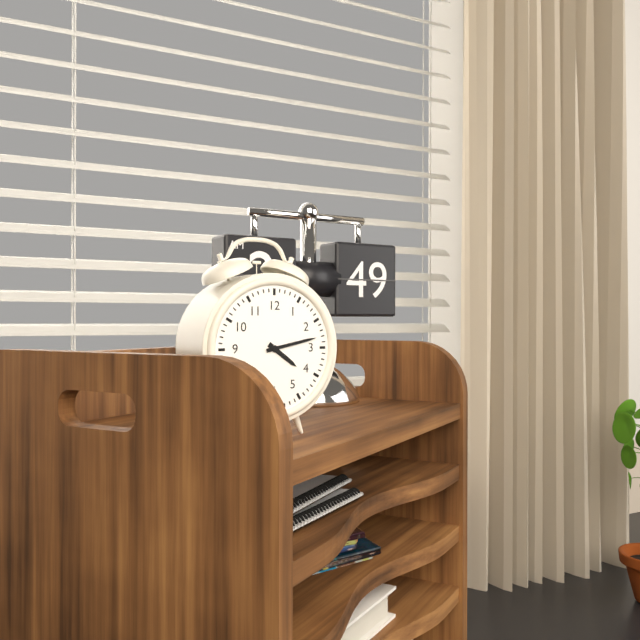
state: 4:13
